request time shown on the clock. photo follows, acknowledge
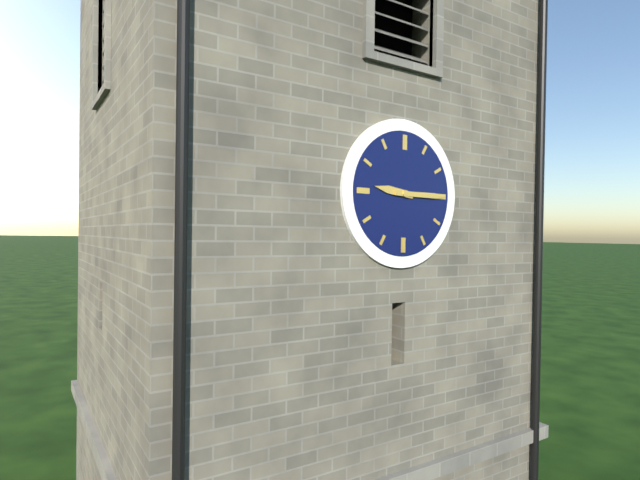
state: 9:15
